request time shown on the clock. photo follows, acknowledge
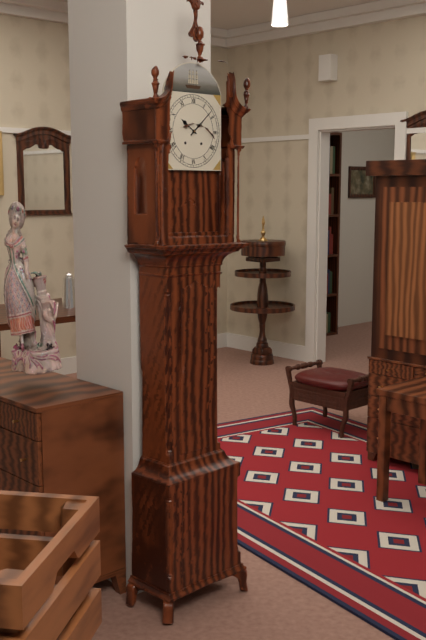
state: 10:08
